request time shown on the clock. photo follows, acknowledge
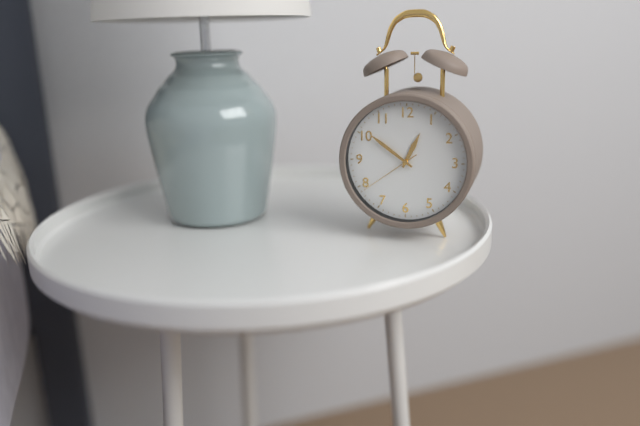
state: 12:51:39
